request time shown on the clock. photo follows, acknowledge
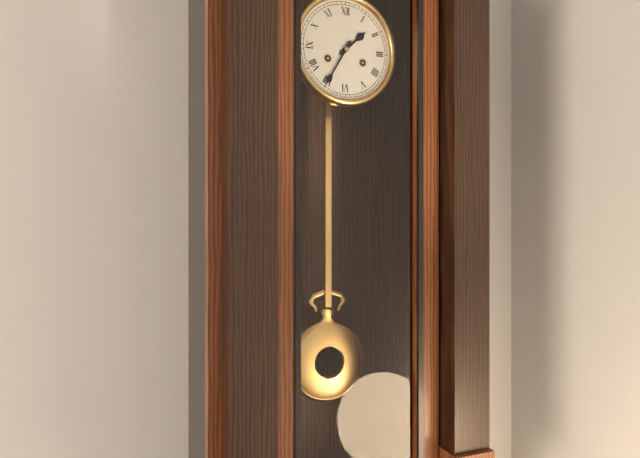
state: 1:35
